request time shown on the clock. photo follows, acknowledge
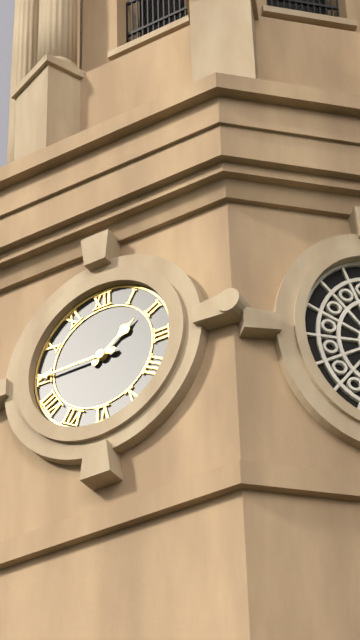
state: 1:45
